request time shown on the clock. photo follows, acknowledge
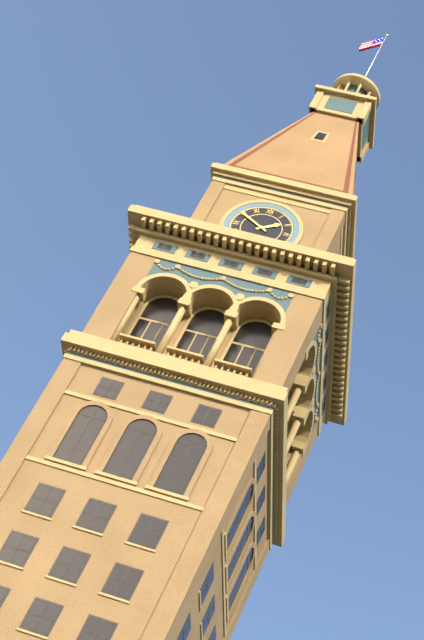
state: 1:50
